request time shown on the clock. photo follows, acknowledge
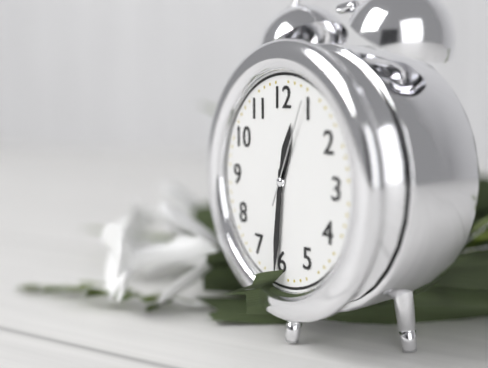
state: 12:31:04
